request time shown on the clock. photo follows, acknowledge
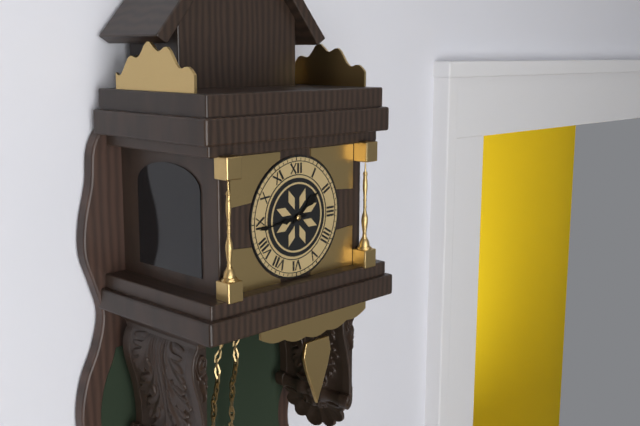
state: 1:44
